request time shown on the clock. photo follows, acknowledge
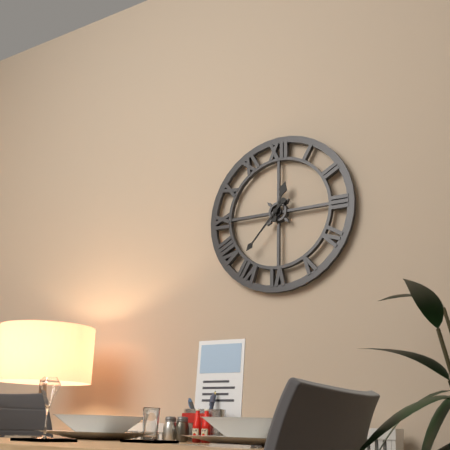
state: 12:37
